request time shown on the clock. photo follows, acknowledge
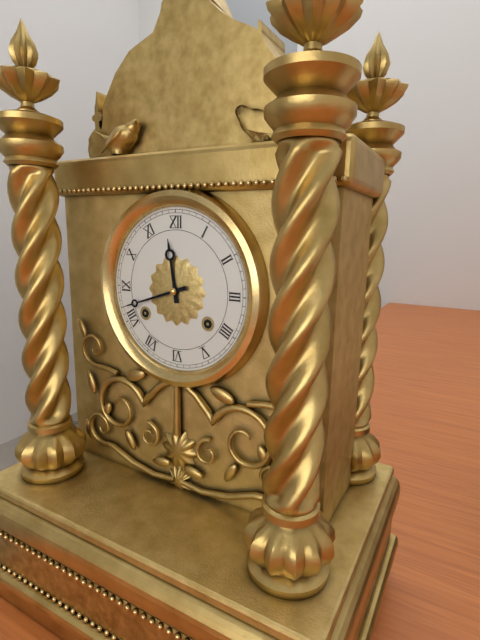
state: 11:42
